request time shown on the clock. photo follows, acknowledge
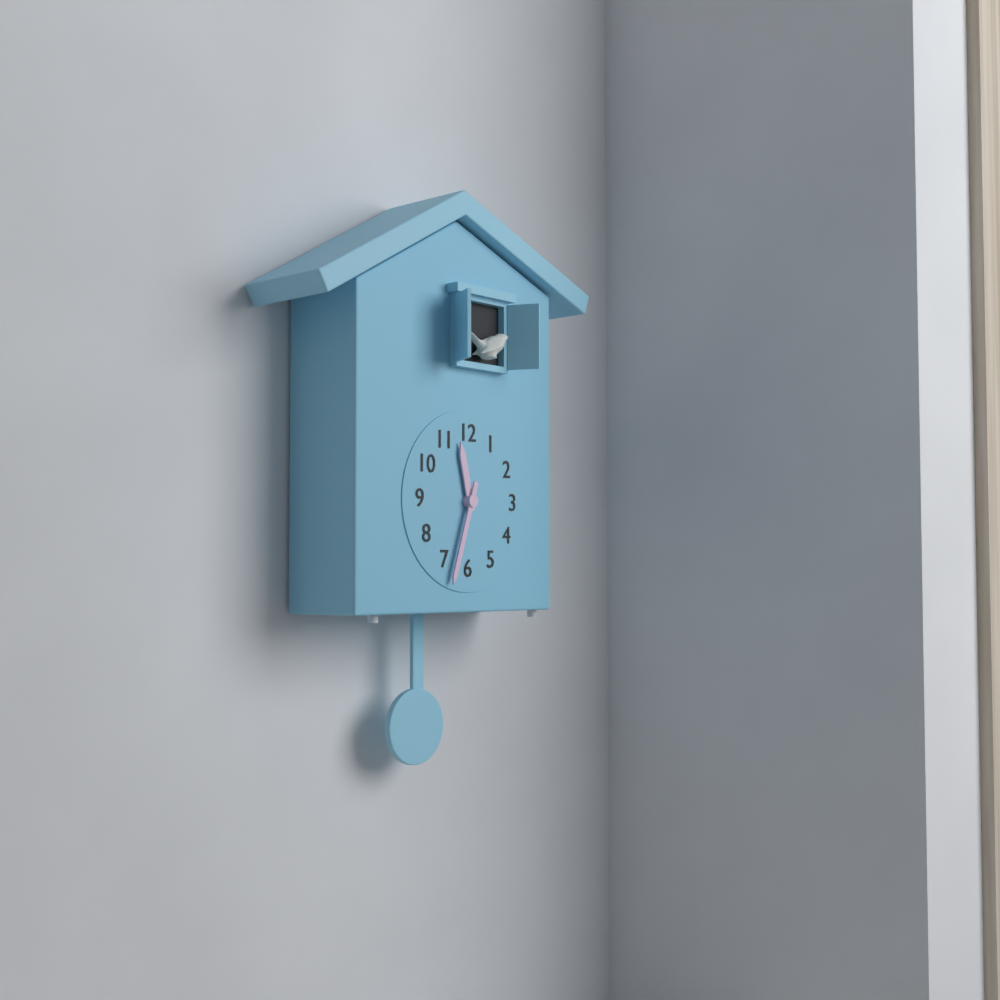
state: 11:33
